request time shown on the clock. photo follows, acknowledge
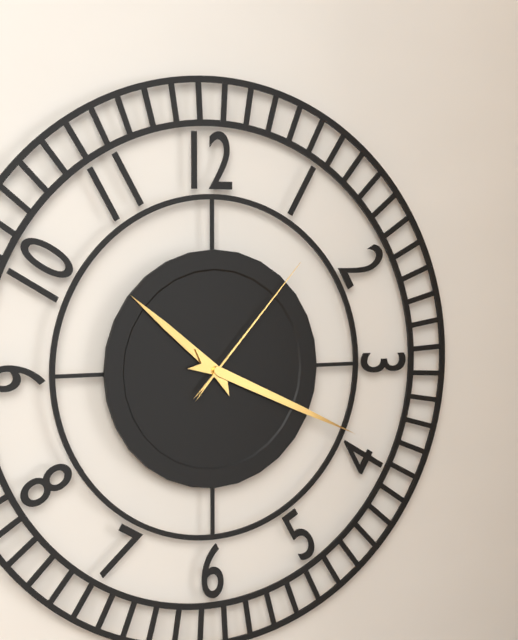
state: 10:19:07
